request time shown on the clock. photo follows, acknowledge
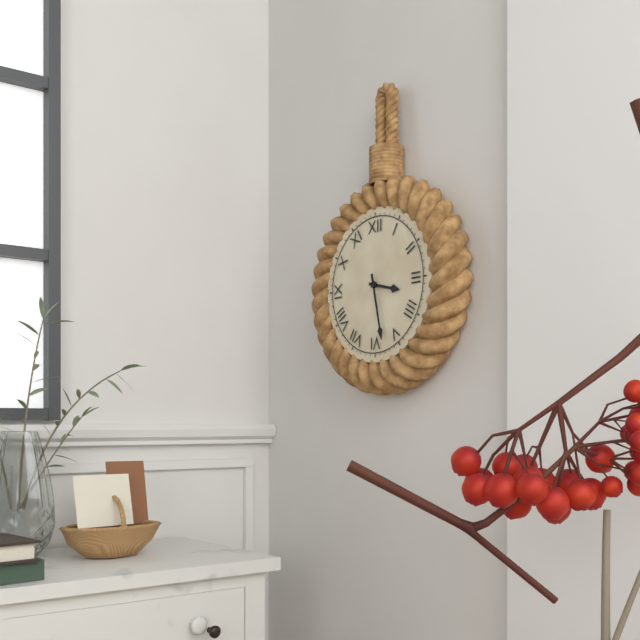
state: 3:28
